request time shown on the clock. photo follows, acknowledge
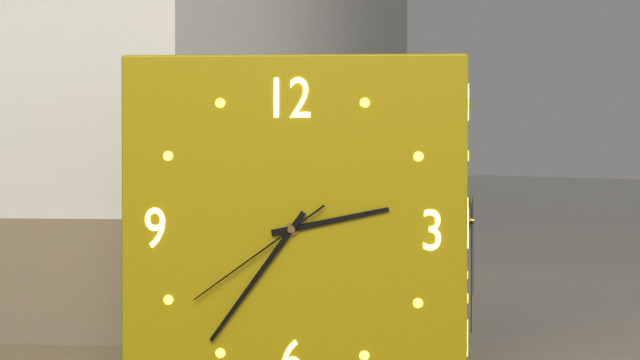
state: 2:36:39
